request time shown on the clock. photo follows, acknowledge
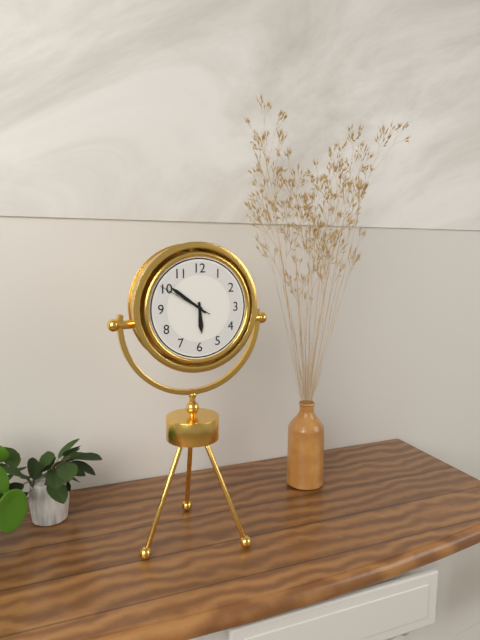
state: 5:51:50
